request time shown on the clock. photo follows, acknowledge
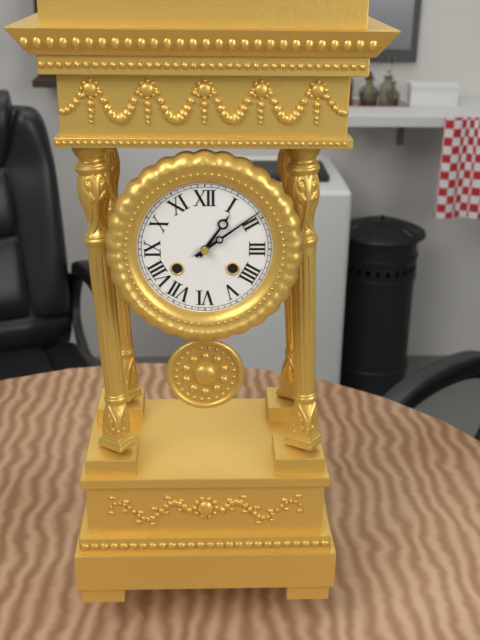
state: 1:09
